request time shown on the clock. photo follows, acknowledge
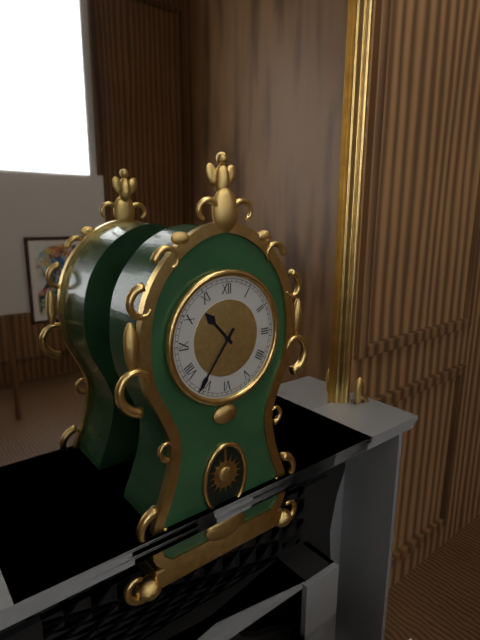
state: 10:36
